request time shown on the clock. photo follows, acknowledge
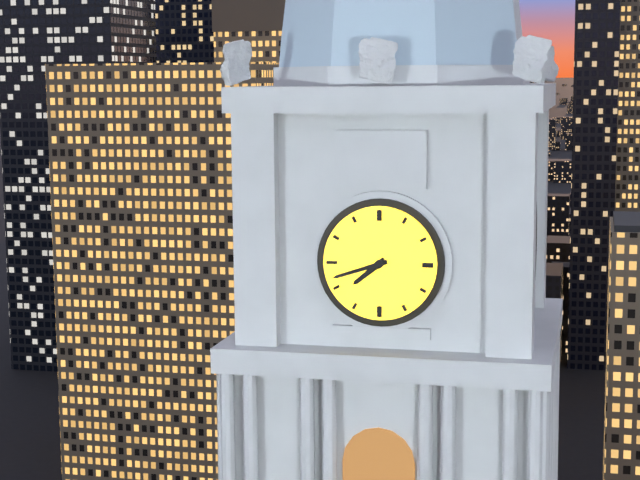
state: 7:42
